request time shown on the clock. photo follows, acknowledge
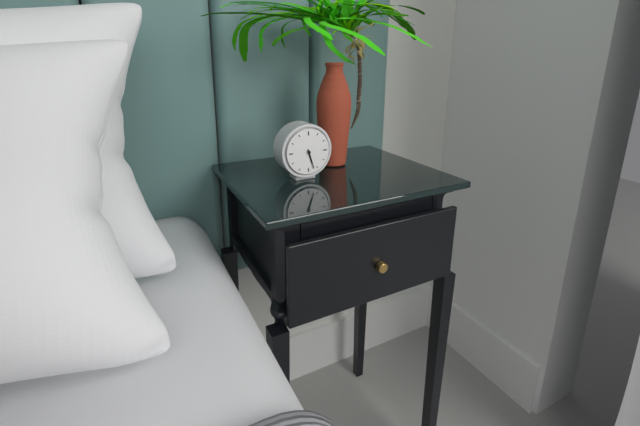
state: 5:27
